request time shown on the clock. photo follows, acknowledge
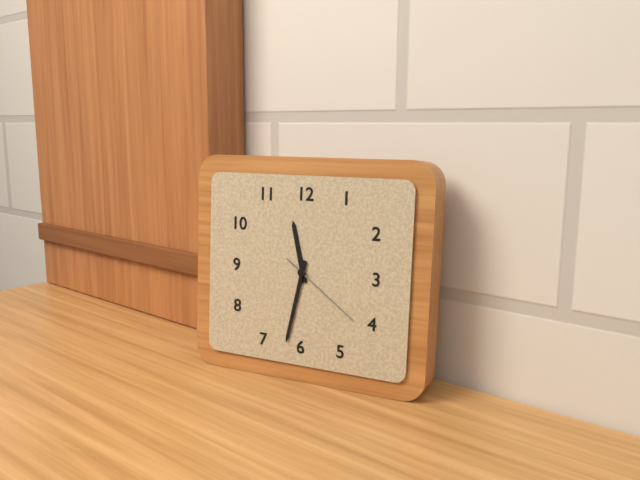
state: 11:32:21
